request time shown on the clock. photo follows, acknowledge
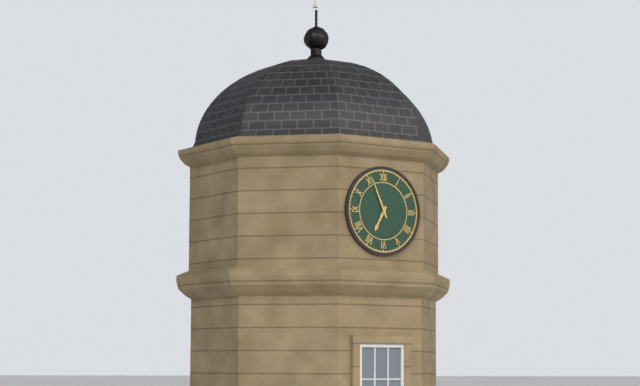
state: 6:56
